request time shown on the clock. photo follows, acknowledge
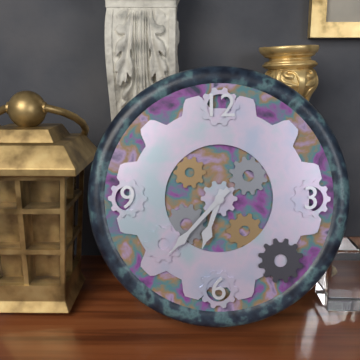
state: 6:37
